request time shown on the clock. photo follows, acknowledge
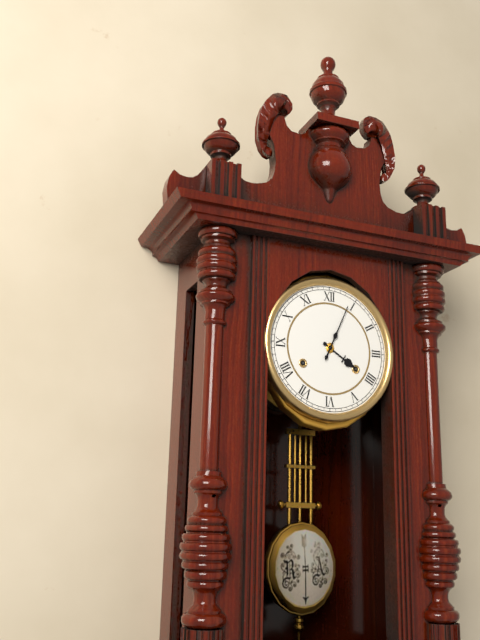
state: 4:04
